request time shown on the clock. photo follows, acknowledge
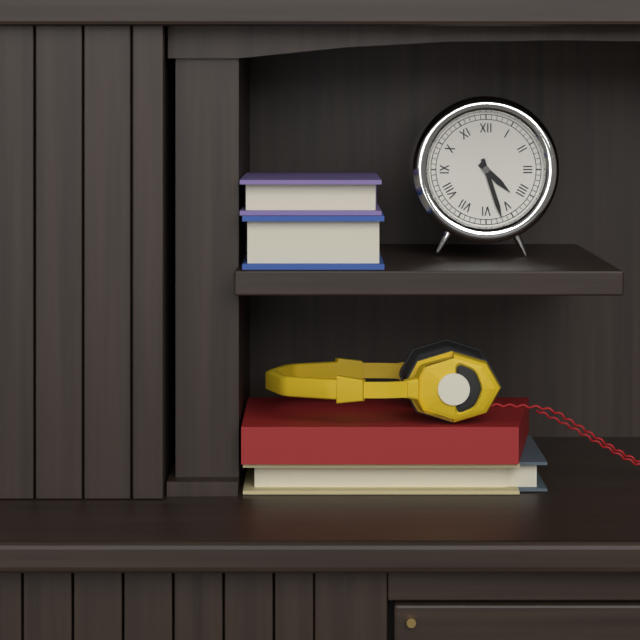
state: 4:27
